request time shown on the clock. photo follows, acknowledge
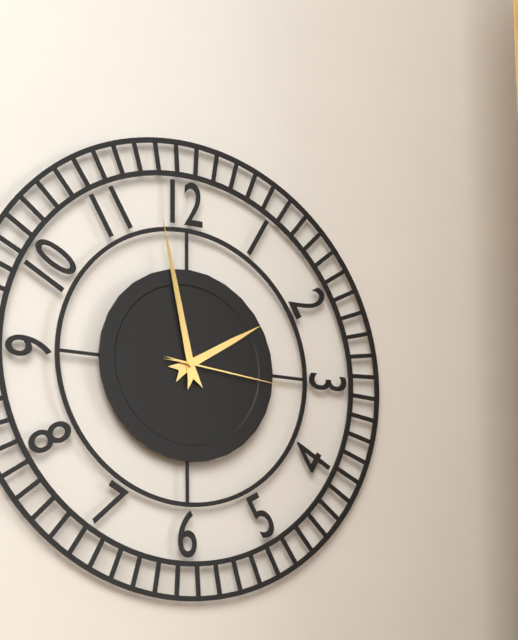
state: 1:58:16
